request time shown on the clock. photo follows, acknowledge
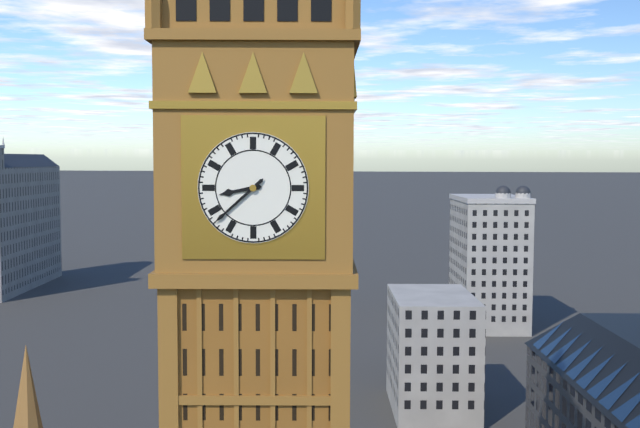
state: 8:38
